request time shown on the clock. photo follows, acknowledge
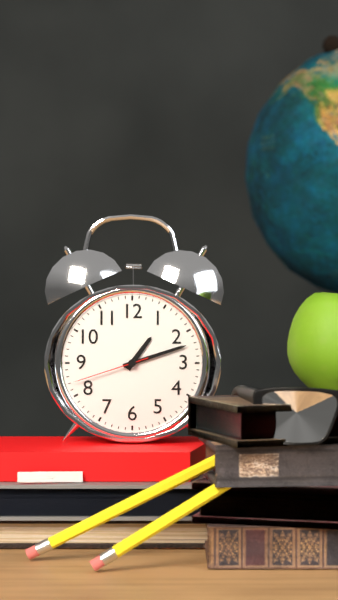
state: 1:12:42
